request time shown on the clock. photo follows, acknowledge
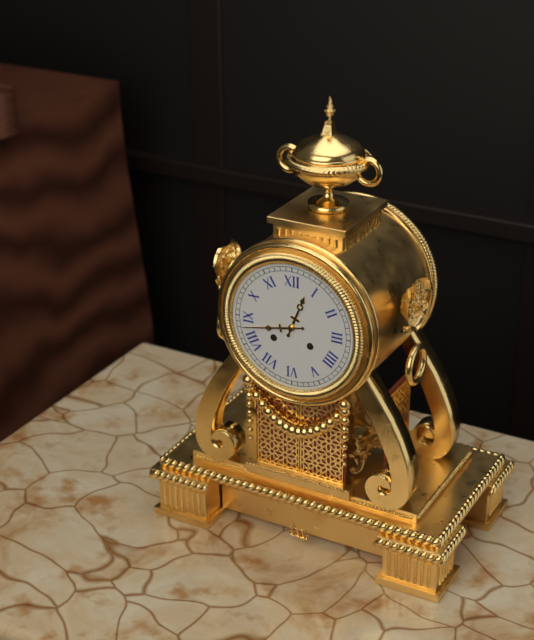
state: 12:43
